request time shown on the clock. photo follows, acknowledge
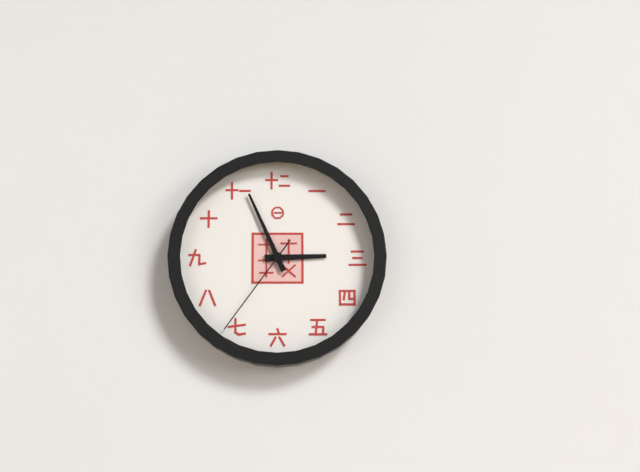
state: 2:56:36
